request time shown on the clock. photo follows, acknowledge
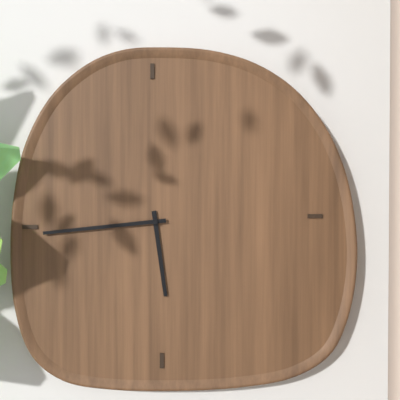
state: 5:44
